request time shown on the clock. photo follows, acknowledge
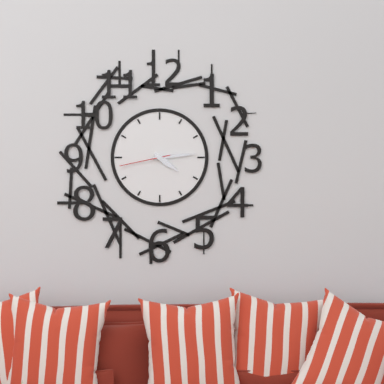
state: 4:14:43
